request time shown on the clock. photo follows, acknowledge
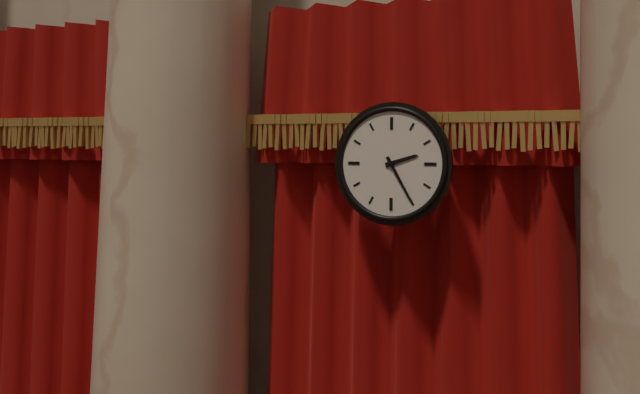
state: 2:25
